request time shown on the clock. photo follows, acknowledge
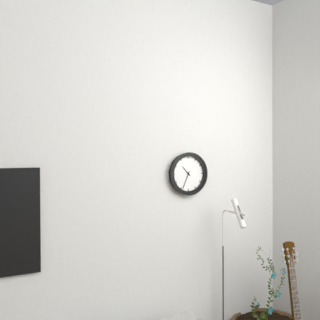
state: 10:34
